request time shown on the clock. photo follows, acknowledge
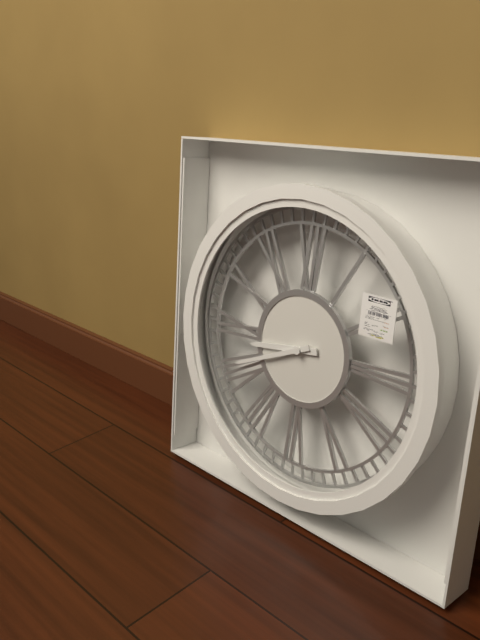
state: 8:41
